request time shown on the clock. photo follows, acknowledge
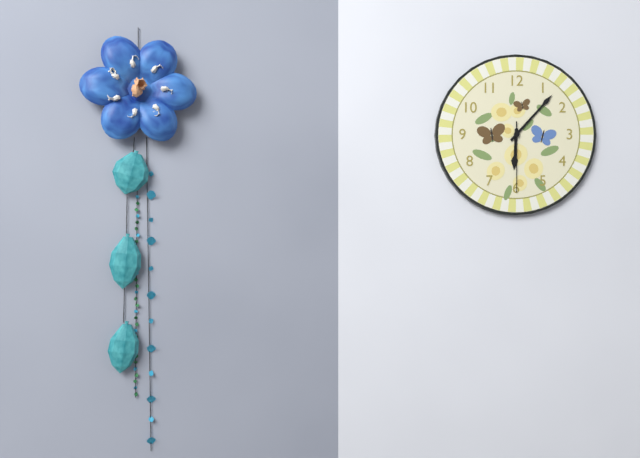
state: 6:07:30
